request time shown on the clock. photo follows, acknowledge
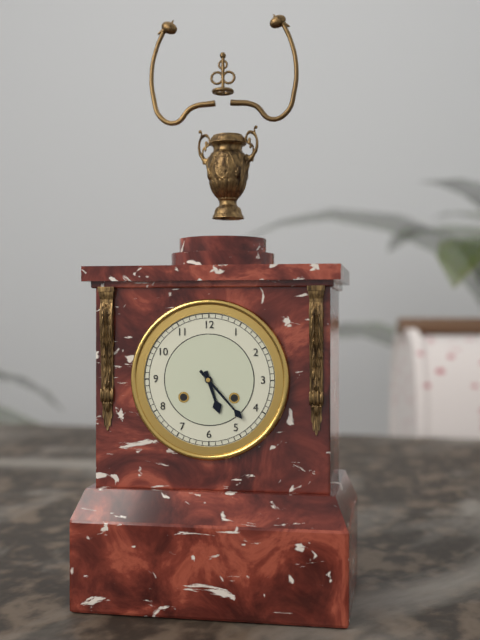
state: 5:23
